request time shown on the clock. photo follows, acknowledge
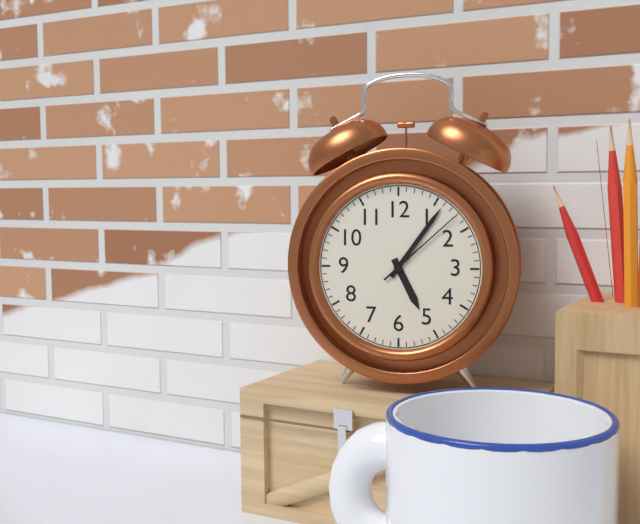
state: 5:06:08
